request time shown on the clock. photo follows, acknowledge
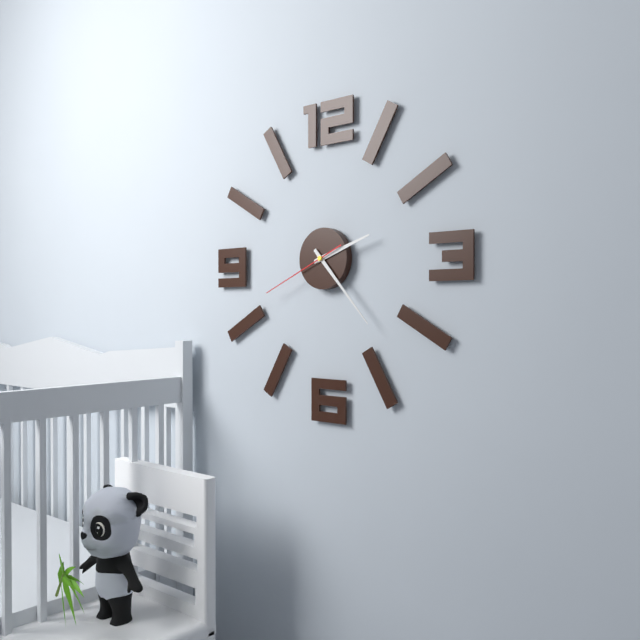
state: 2:23:41
